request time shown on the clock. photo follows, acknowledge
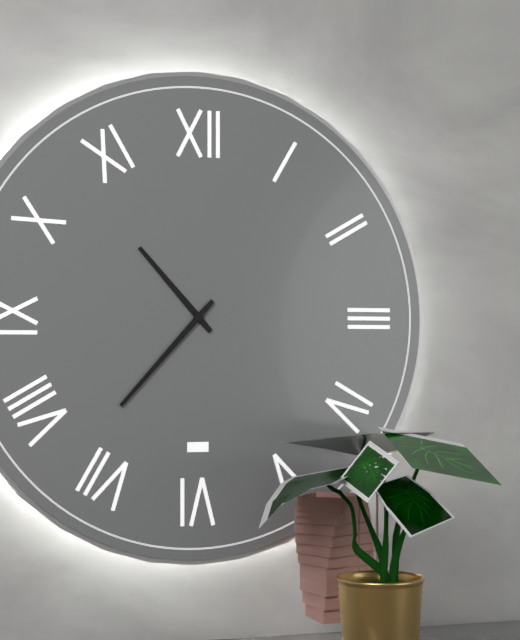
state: 10:37
